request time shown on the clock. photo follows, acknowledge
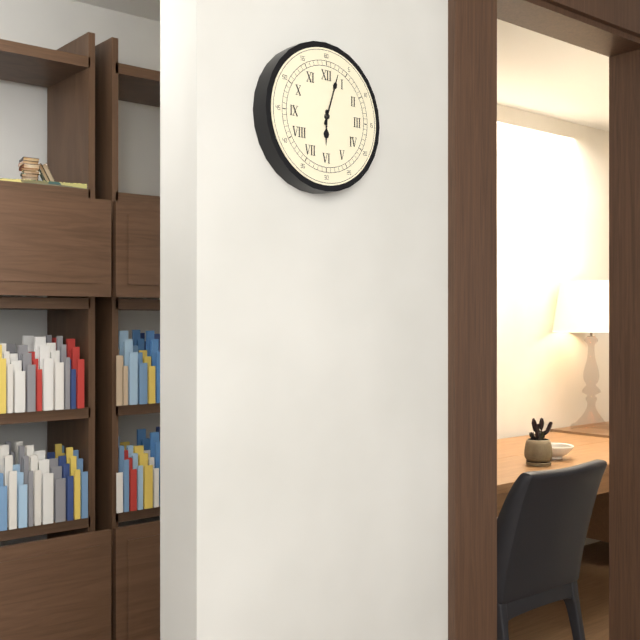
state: 6:03
